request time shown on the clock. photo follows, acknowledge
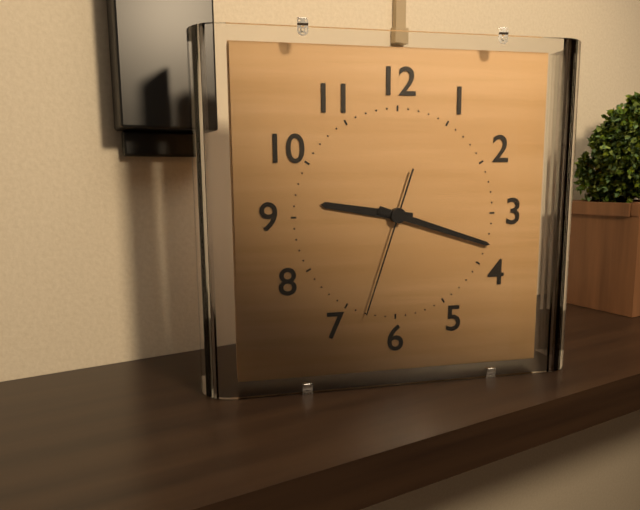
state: 9:18:33
